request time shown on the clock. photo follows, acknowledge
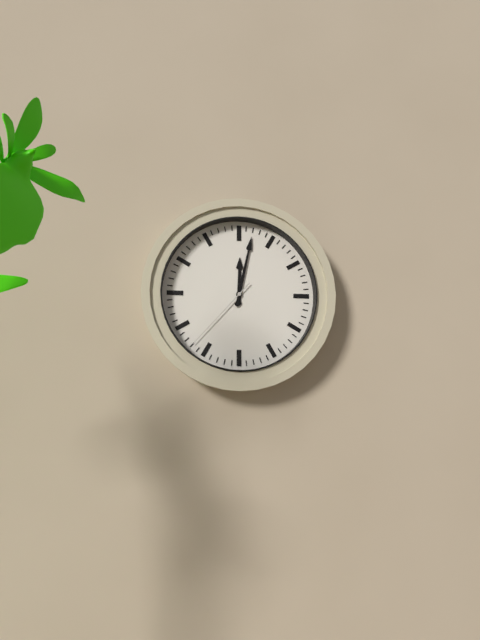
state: 12:02:37
